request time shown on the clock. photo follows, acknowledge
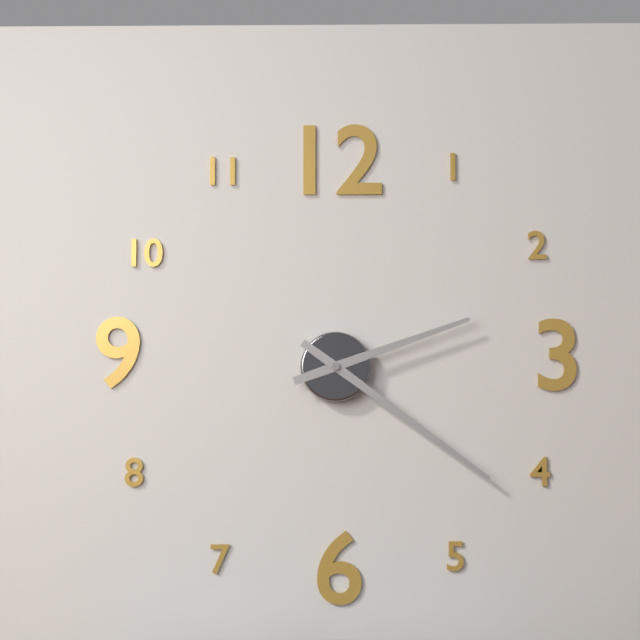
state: 2:21
